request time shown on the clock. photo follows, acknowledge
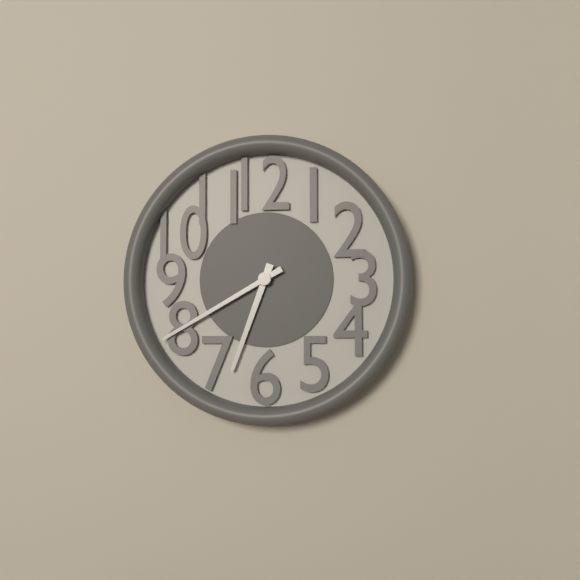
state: 6:40
